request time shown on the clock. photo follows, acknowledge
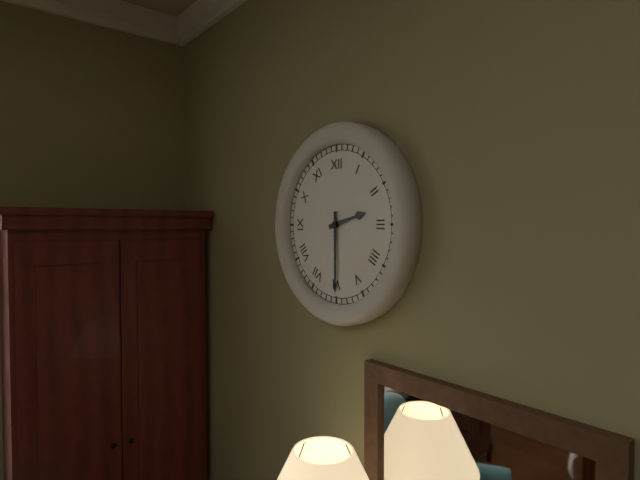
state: 2:30
